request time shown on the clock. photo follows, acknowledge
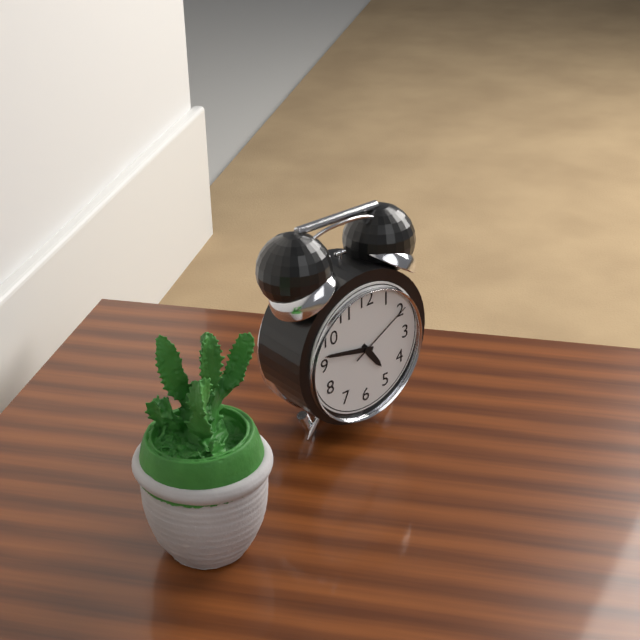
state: 4:47:10
